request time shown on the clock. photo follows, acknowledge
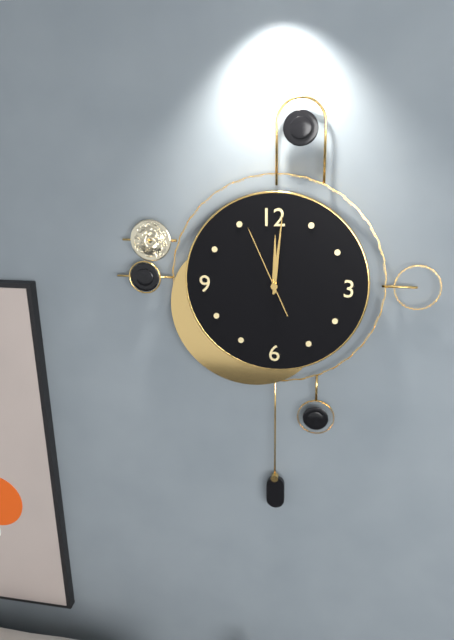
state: 12:01:56
